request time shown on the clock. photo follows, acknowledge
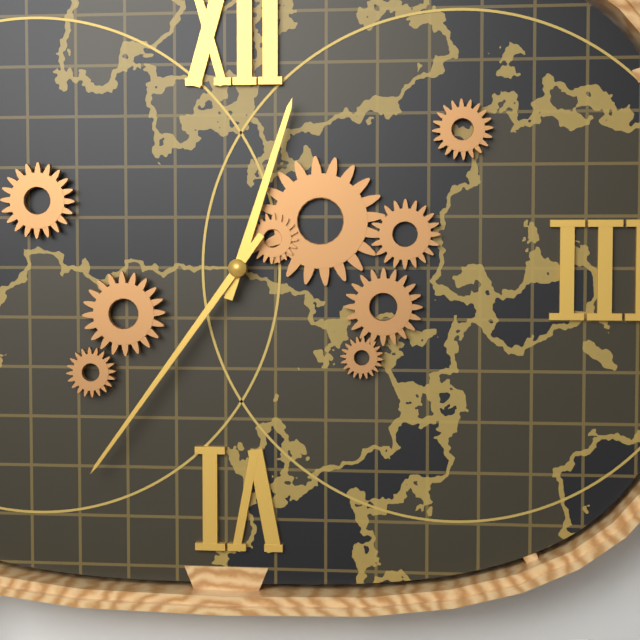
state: 12:36
